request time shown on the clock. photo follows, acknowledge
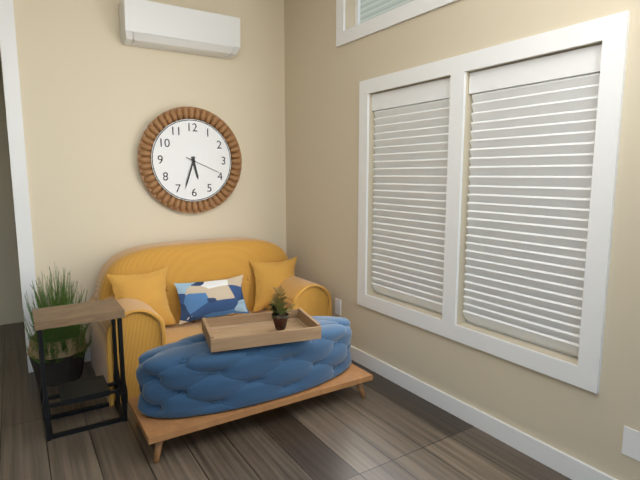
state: 5:33
